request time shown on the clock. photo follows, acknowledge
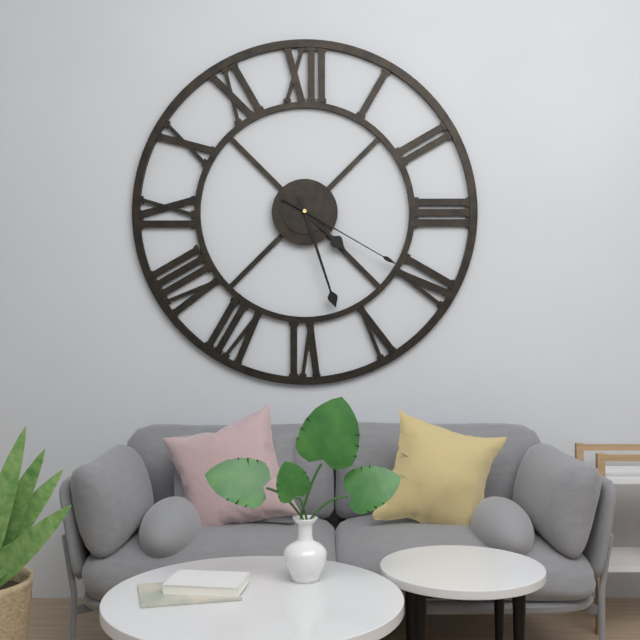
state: 4:27:20
